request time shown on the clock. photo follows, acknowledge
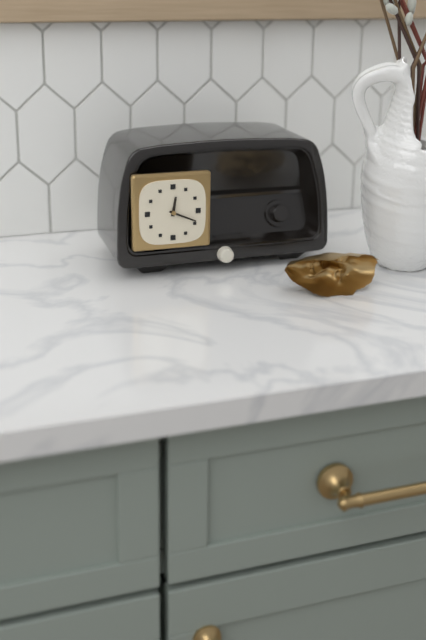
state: 12:19
